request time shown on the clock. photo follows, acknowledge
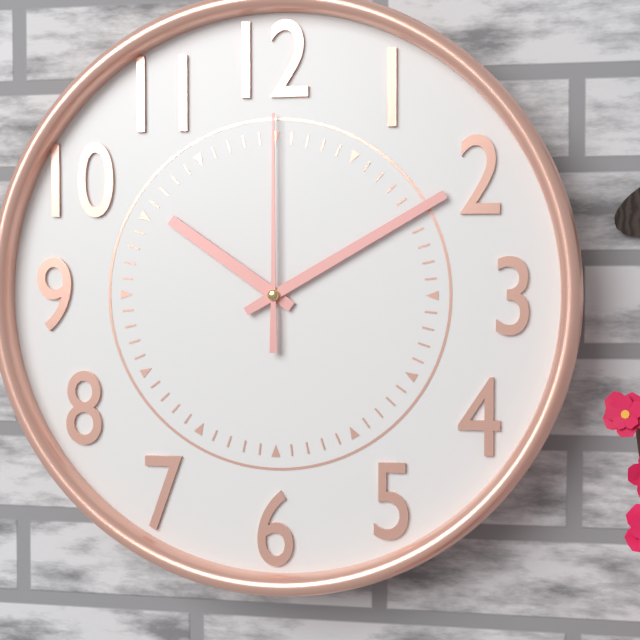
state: 10:10:00
